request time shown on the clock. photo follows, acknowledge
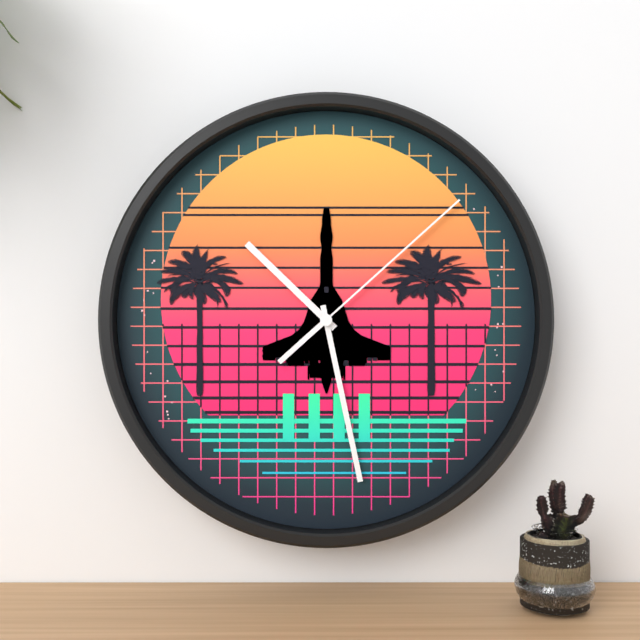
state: 10:28:08
